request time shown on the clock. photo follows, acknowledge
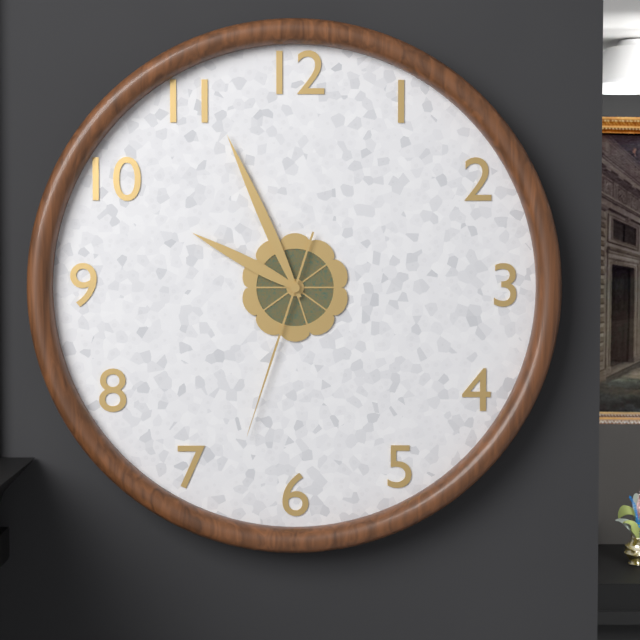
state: 9:56:33
